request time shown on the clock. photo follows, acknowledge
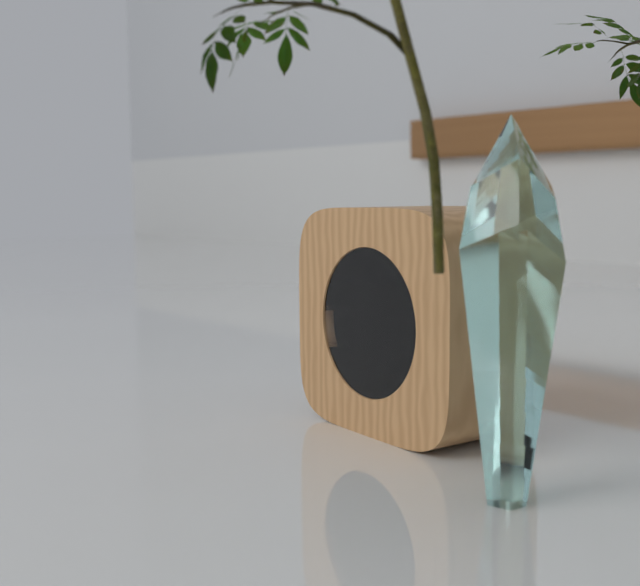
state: 5:00:12
